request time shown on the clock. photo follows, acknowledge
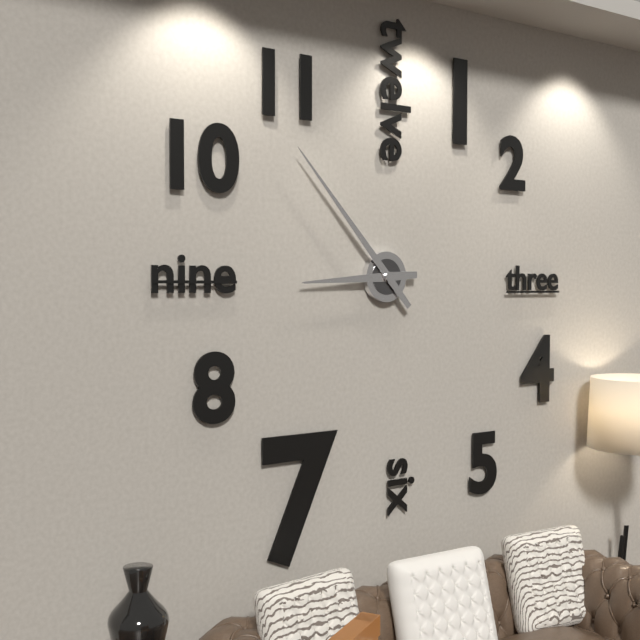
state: 8:53
